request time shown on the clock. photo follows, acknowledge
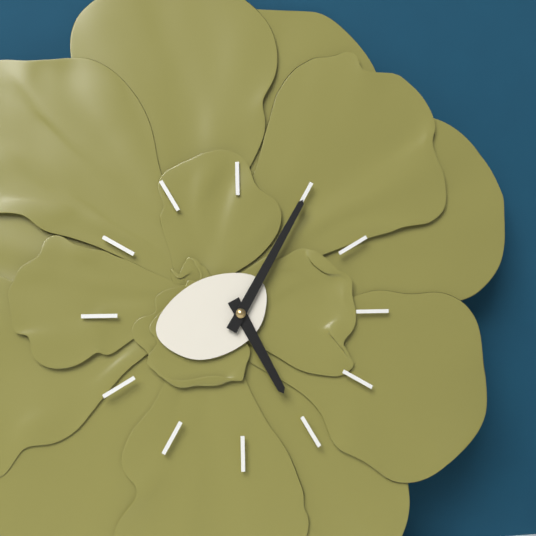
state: 5:05
